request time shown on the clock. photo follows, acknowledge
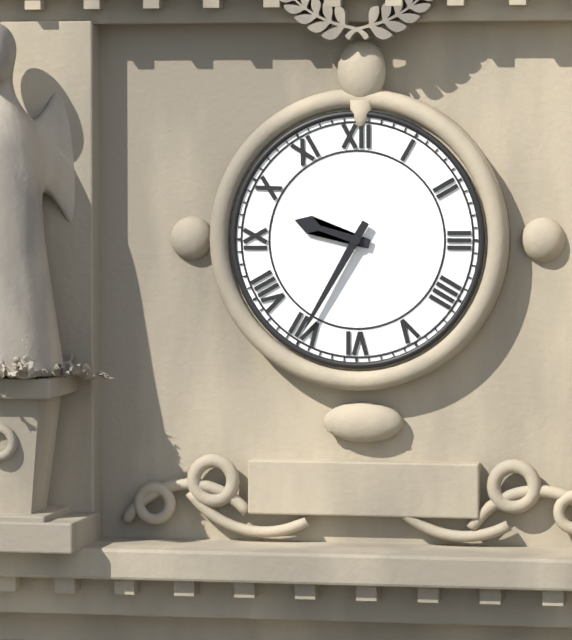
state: 9:35
